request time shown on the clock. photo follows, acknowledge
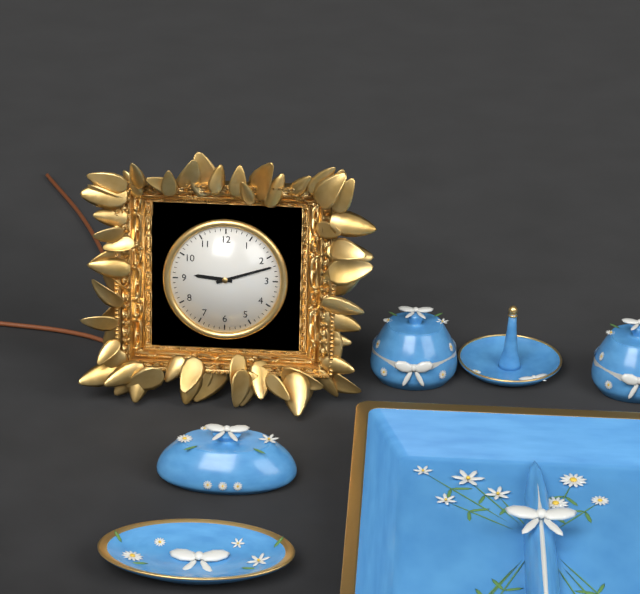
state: 9:12
